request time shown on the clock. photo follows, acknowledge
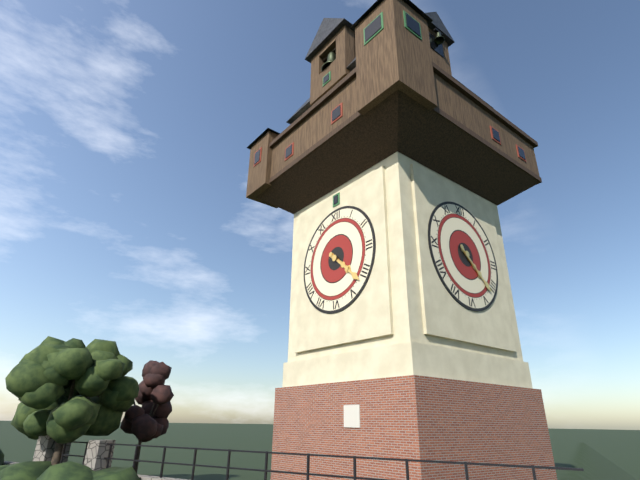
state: 4:22
